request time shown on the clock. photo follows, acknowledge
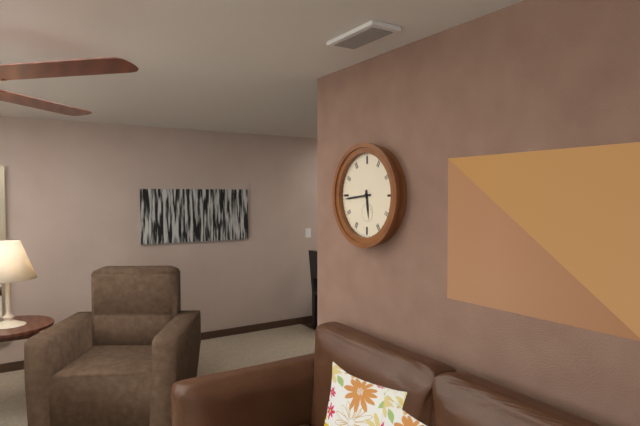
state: 5:44
